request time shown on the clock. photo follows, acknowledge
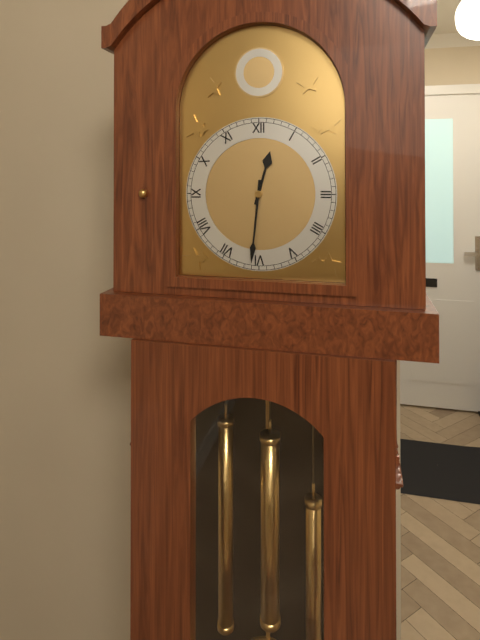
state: 12:31
